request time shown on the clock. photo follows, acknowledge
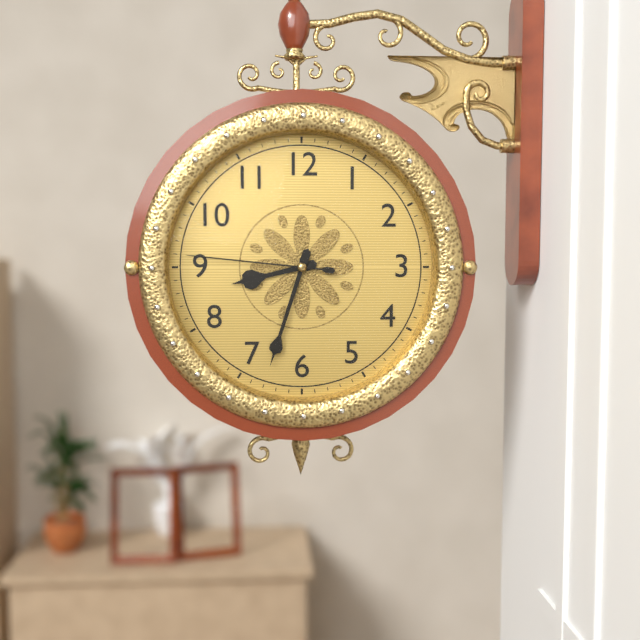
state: 8:33:46
